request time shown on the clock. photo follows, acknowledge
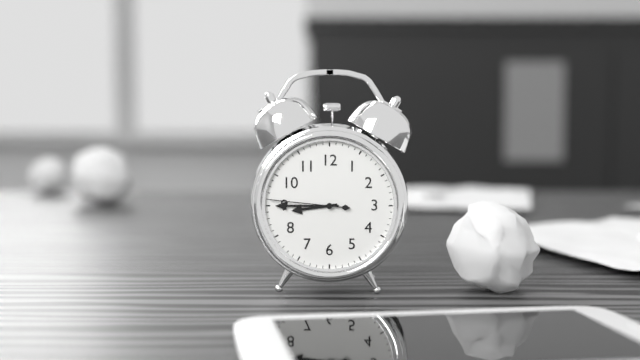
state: 8:45:46
